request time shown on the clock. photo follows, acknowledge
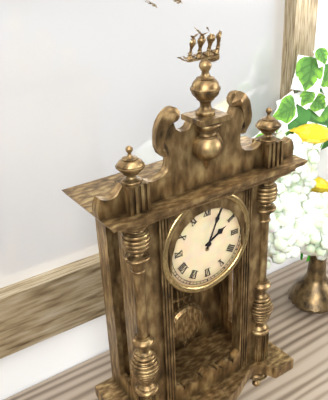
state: 2:04
